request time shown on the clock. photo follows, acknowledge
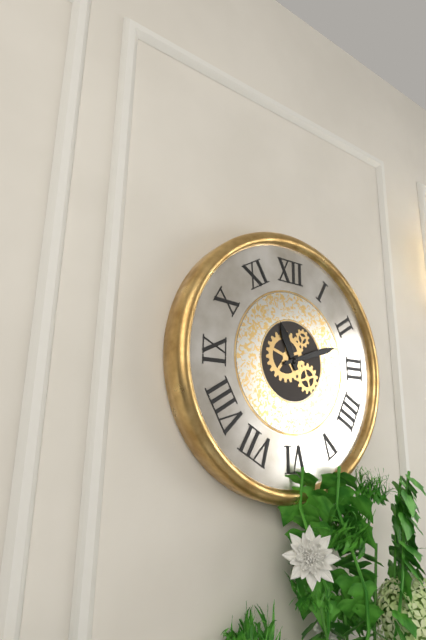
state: 11:12
